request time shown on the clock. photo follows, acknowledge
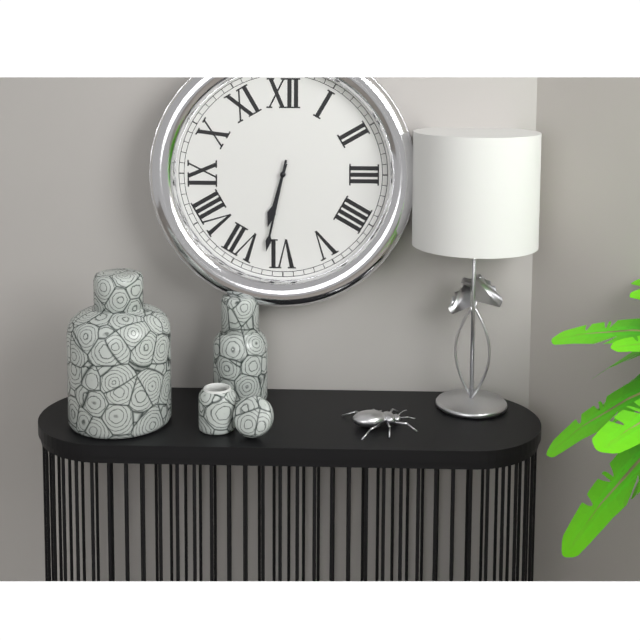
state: 6:32
